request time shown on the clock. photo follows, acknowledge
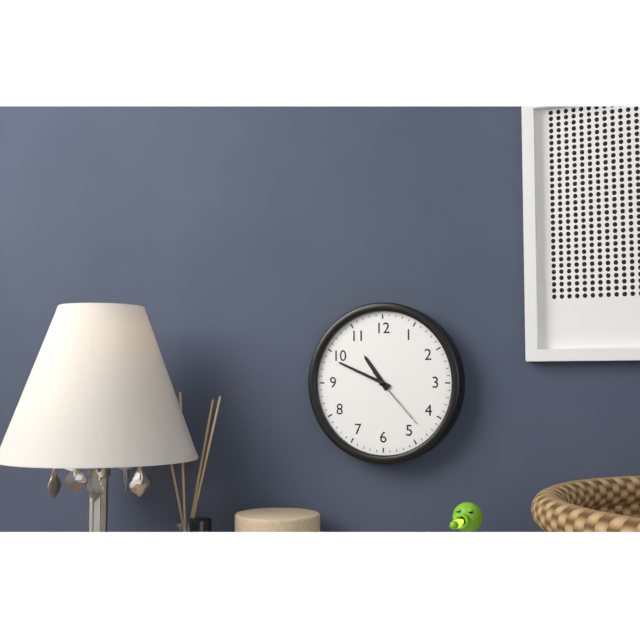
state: 10:49:23
